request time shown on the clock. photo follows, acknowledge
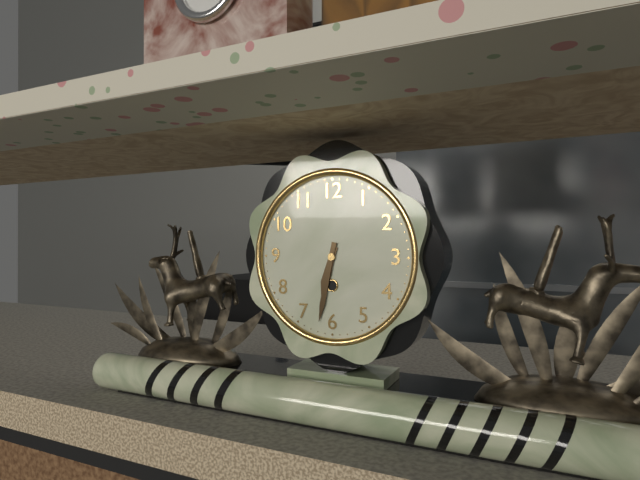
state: 6:32
